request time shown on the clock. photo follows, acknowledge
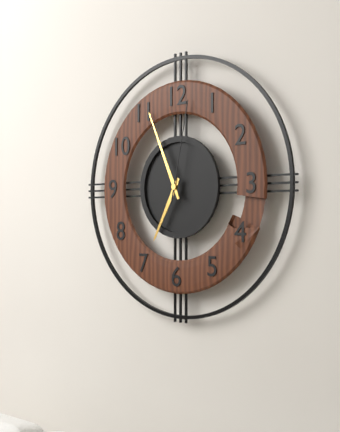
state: 6:56:02
